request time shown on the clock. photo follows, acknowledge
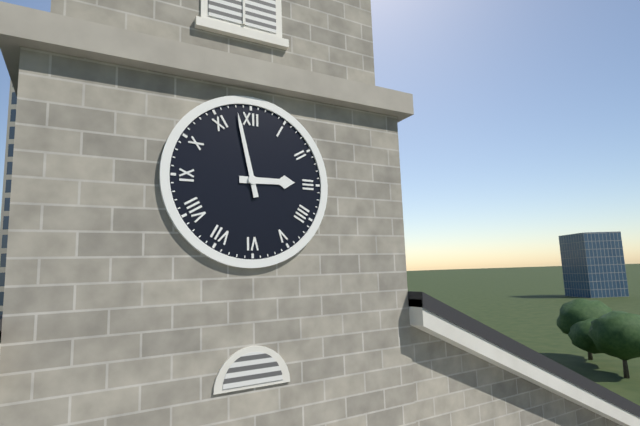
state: 2:58
